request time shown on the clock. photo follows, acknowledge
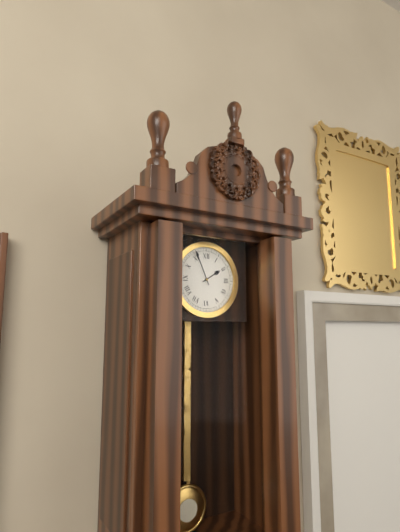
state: 1:56
